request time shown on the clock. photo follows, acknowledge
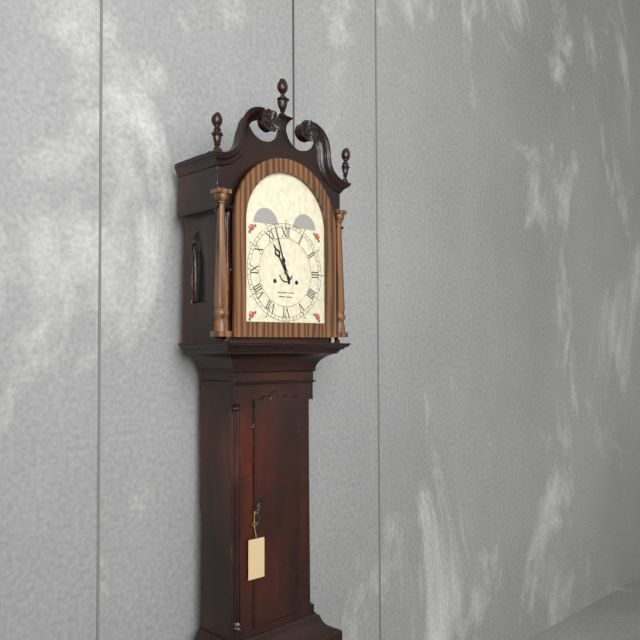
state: 10:57
